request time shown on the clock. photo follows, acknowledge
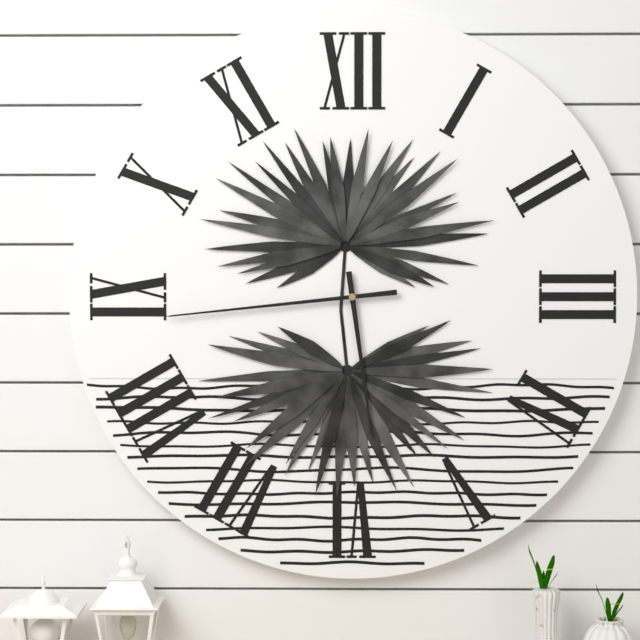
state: 5:44
